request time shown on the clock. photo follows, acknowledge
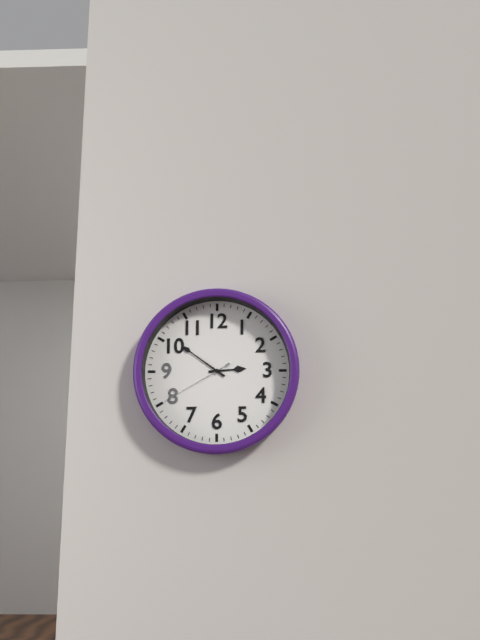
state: 2:51:40
